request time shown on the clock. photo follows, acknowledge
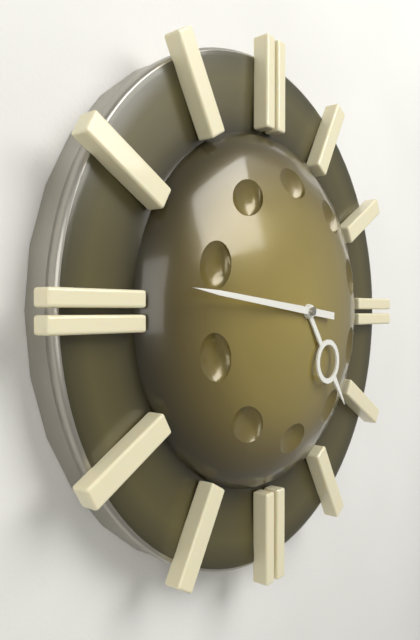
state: 4:46
